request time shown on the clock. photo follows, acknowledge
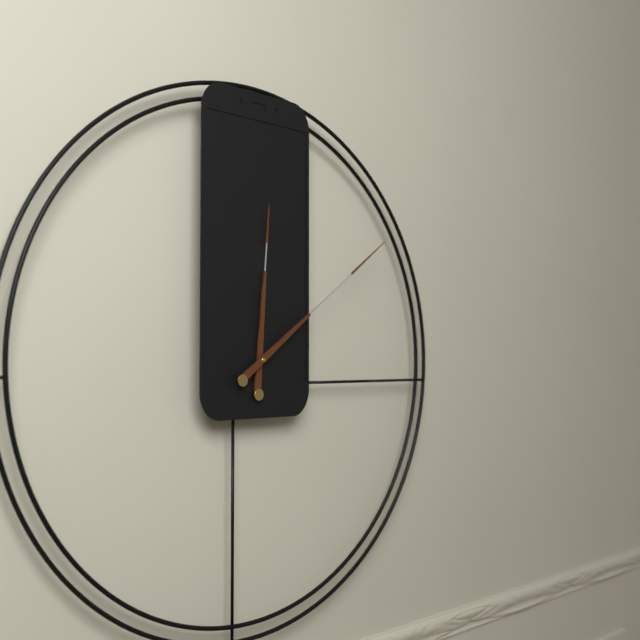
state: 12:09
